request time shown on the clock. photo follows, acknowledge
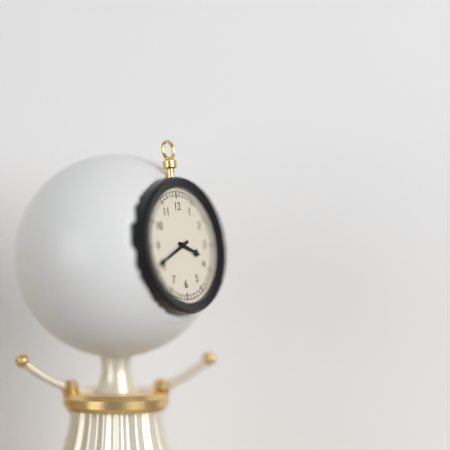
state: 3:41
